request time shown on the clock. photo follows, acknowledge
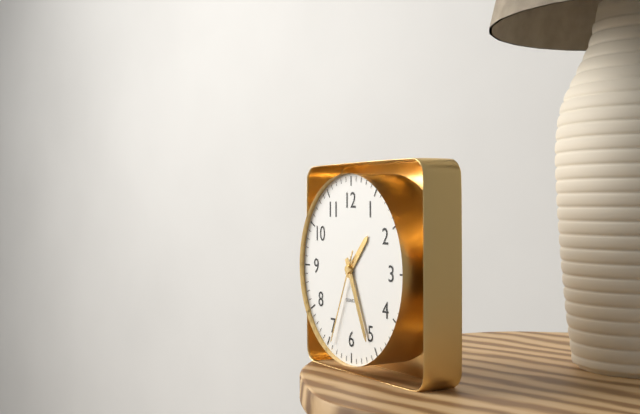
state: 1:26:34
